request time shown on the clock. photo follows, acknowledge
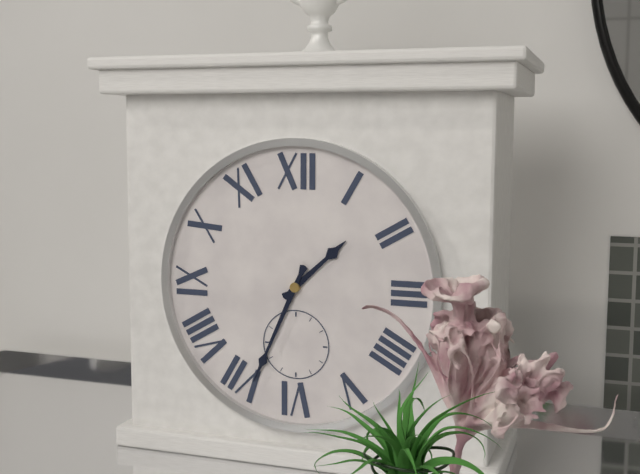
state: 1:34
